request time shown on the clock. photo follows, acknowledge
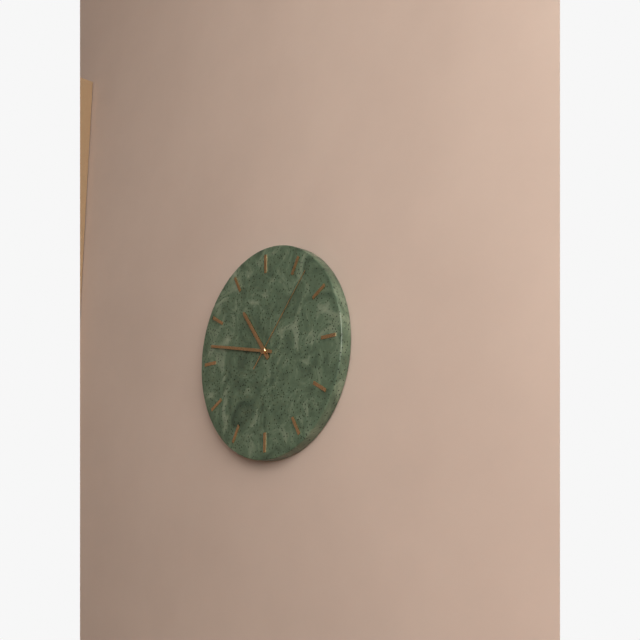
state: 10:47:07
